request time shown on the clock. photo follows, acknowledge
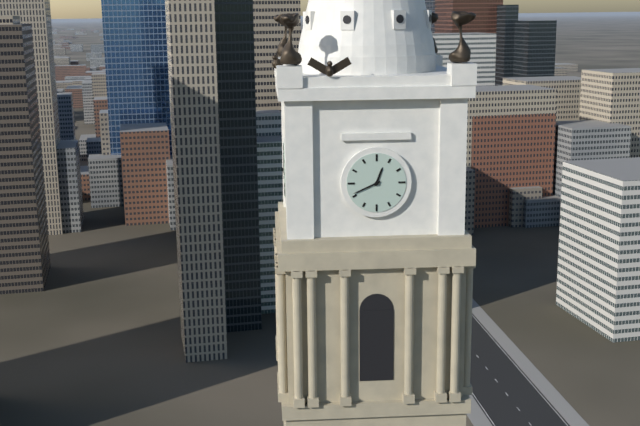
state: 12:41
